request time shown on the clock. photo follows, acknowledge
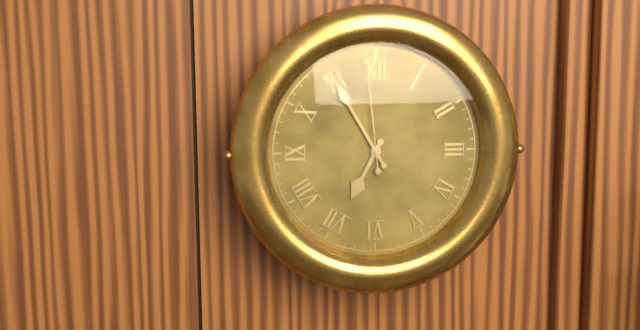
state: 6:55:59
